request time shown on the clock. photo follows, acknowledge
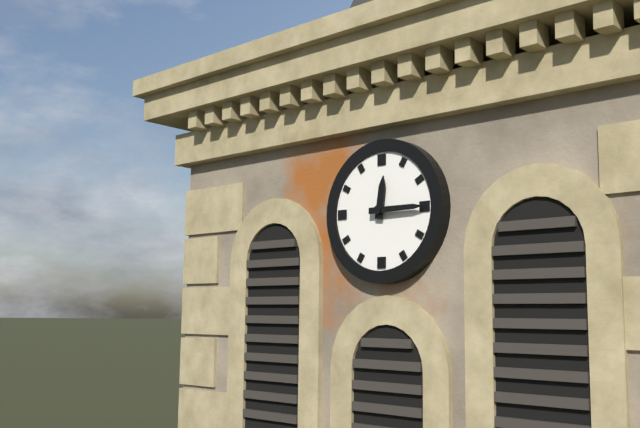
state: 12:15
